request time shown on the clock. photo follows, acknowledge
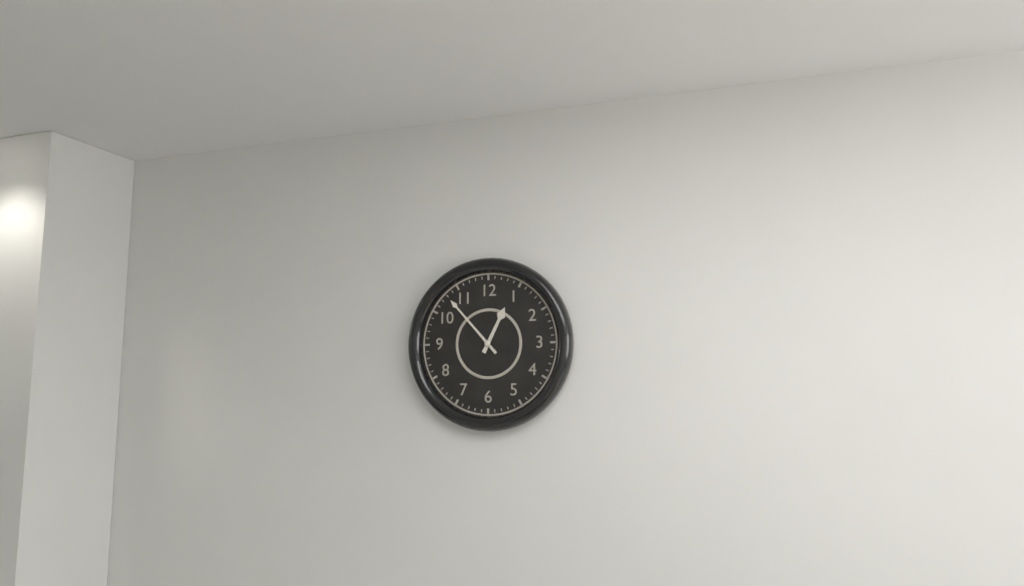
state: 12:53
